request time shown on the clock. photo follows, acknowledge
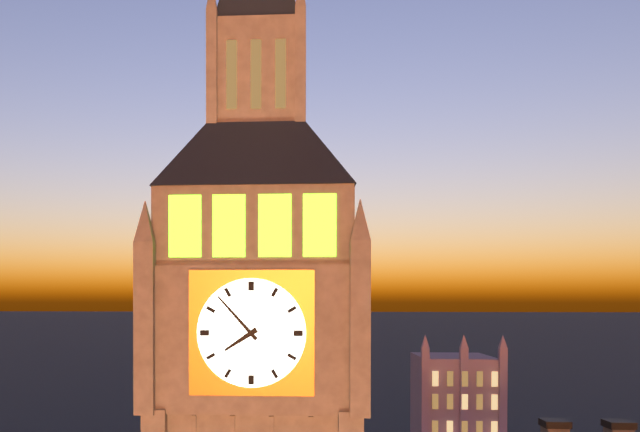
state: 7:53
